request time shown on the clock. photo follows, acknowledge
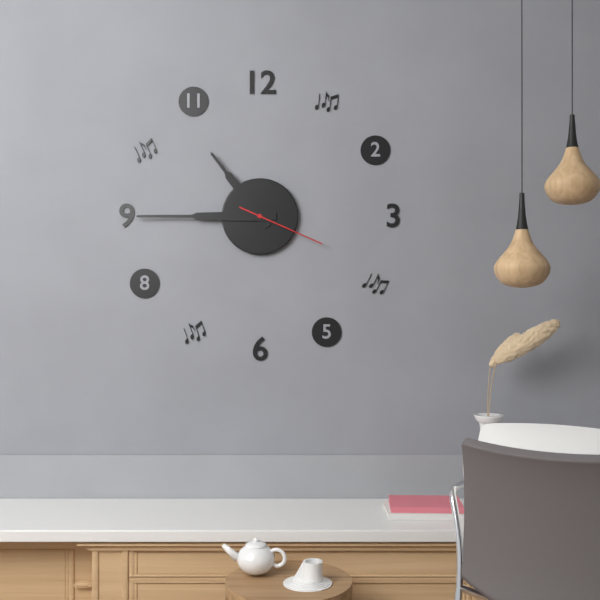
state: 10:45:19
